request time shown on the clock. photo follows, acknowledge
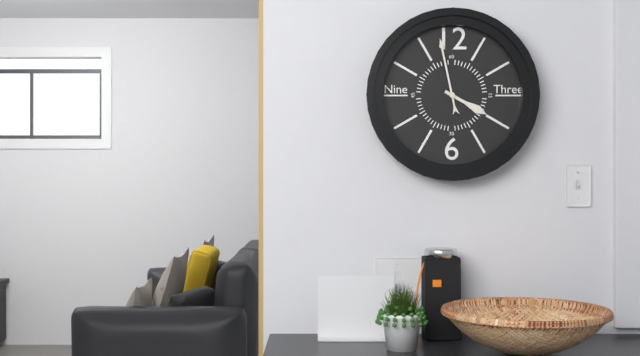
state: 3:58
